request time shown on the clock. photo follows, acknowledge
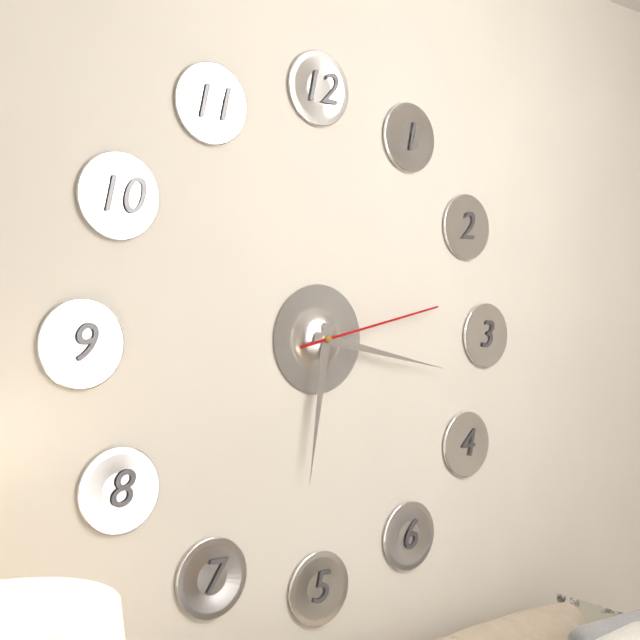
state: 6:17:13
